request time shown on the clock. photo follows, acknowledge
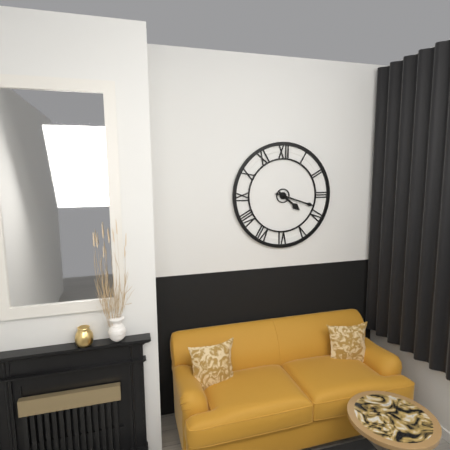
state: 4:18
